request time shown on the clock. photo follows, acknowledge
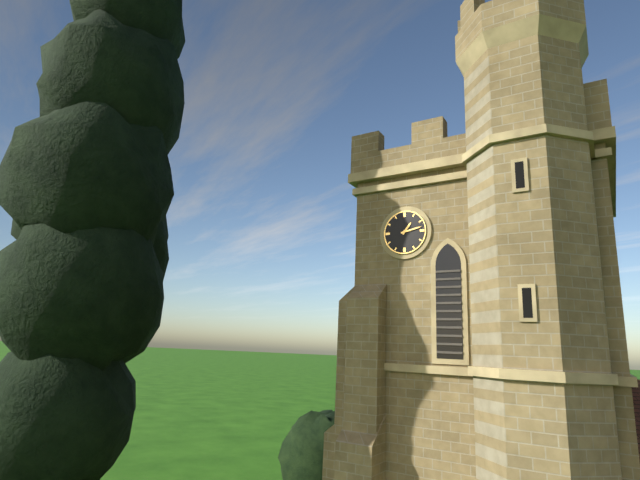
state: 1:13
